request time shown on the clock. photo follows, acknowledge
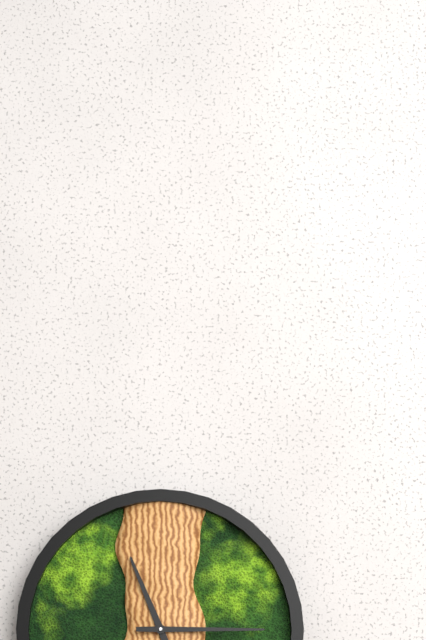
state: 11:15
